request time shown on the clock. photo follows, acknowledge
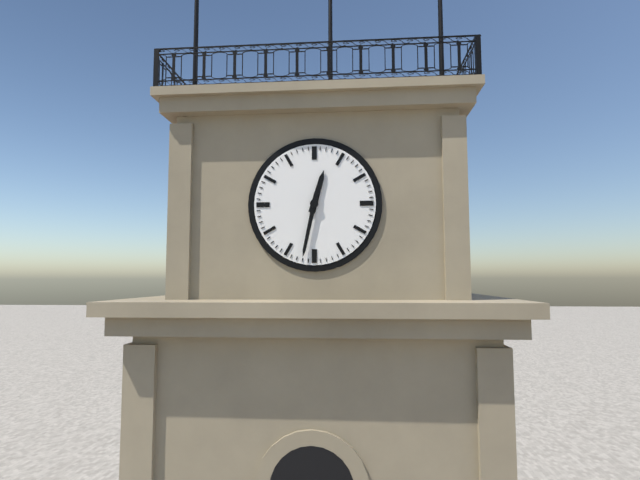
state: 12:32
